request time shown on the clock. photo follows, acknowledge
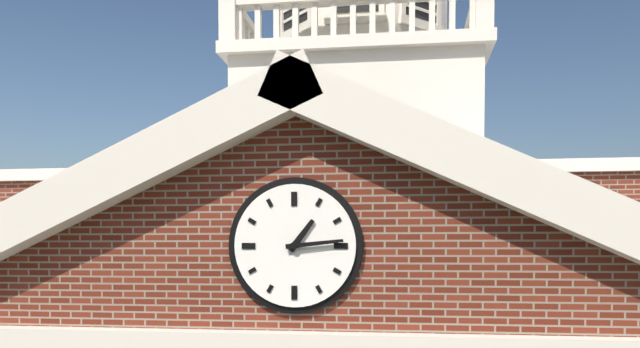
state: 1:14
